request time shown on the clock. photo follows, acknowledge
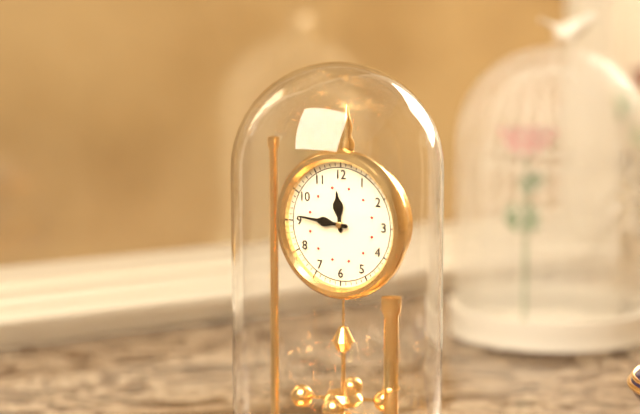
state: 11:46
